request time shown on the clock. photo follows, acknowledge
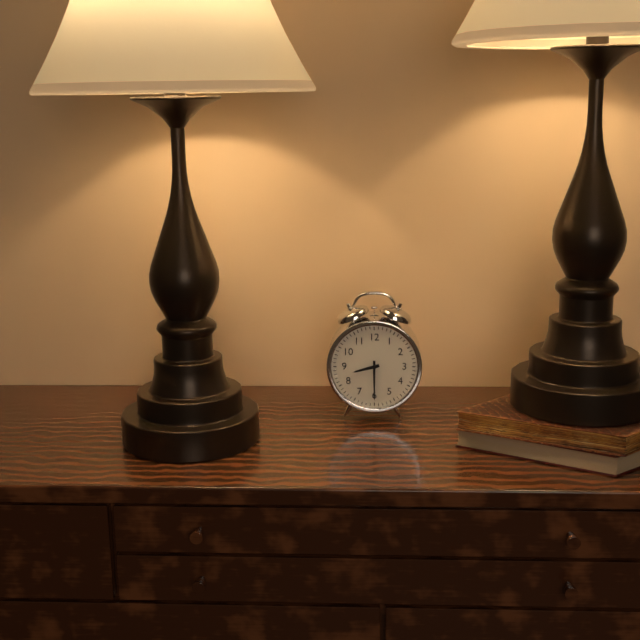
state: 8:30
